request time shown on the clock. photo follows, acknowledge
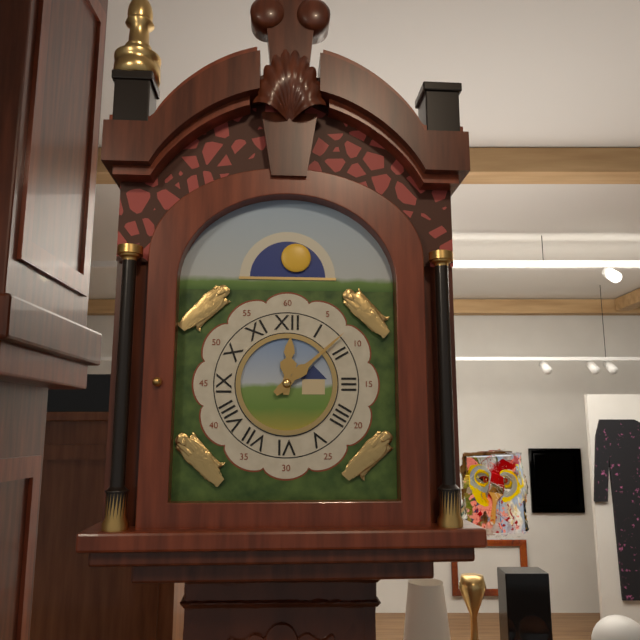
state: 12:08
